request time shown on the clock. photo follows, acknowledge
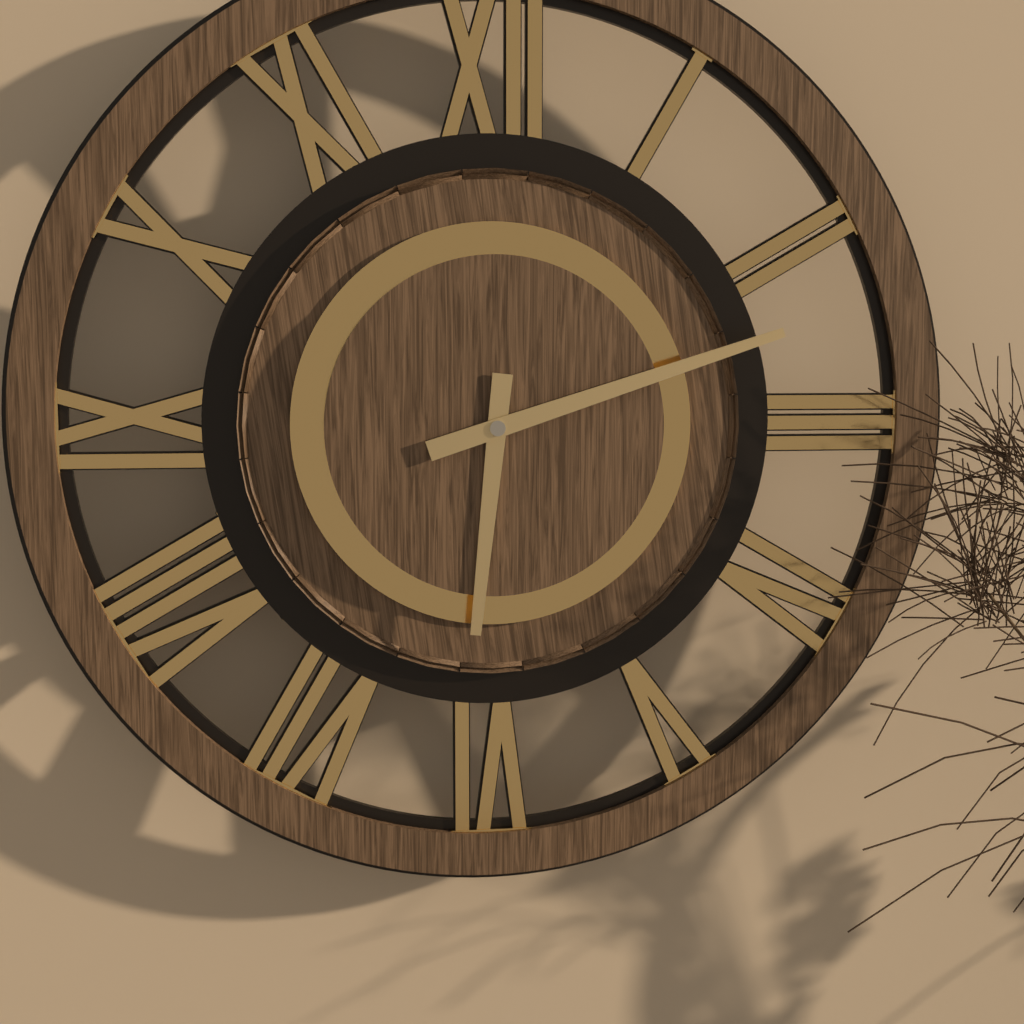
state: 6:12
